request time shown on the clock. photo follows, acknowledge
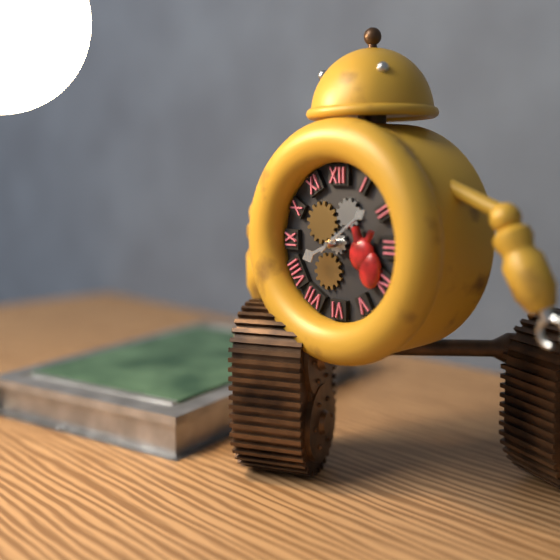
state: 8:09
